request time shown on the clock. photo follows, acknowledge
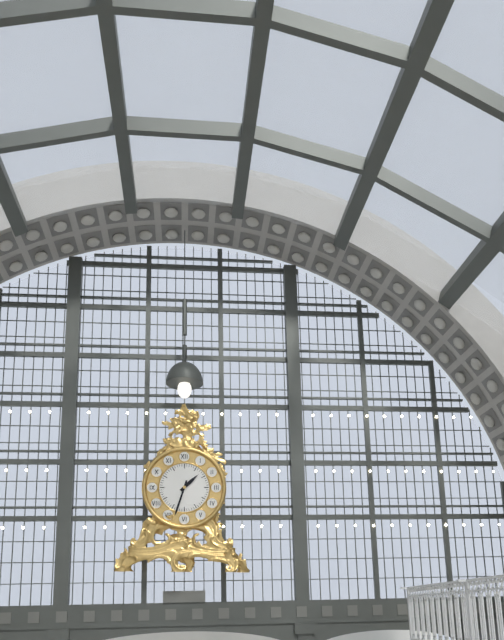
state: 1:33
